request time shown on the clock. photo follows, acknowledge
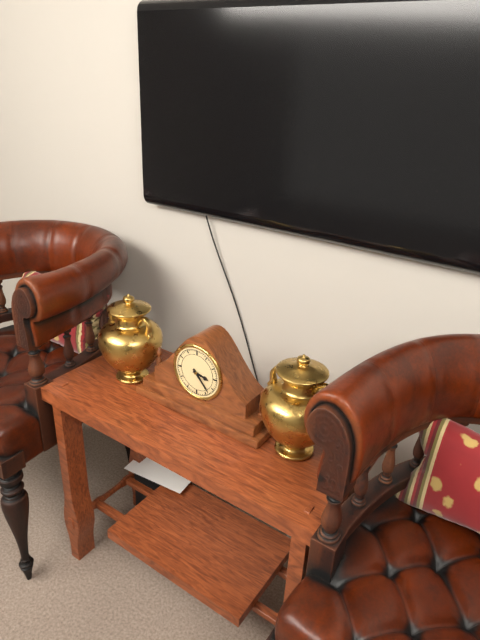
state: 3:23
